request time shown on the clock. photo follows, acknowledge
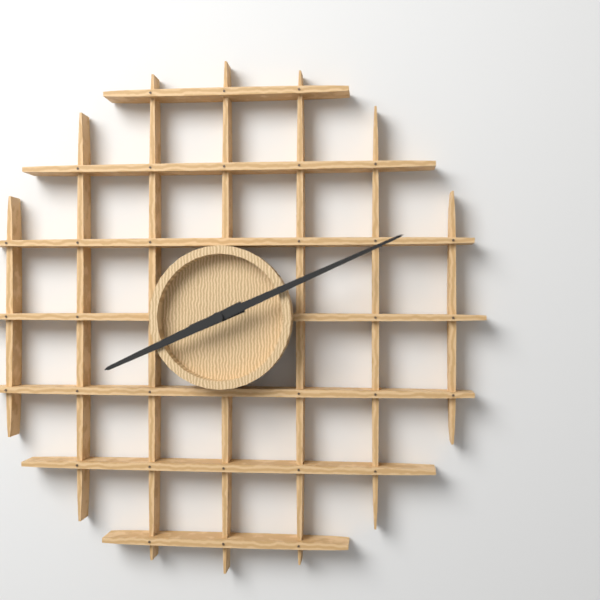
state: 8:11
